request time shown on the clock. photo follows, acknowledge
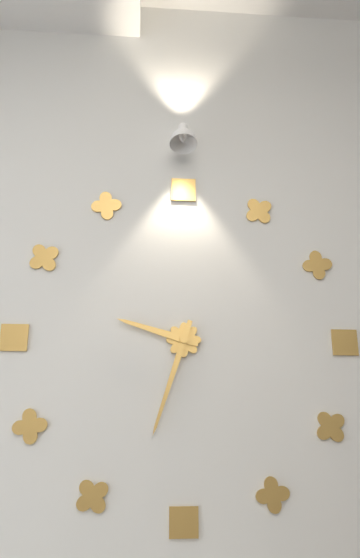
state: 9:33
